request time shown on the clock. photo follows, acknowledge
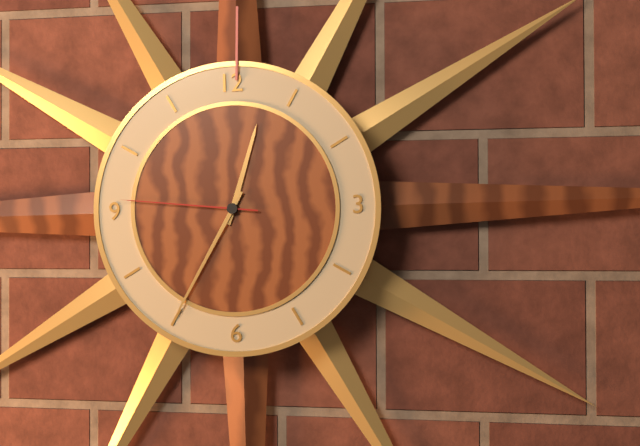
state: 12:35:46
